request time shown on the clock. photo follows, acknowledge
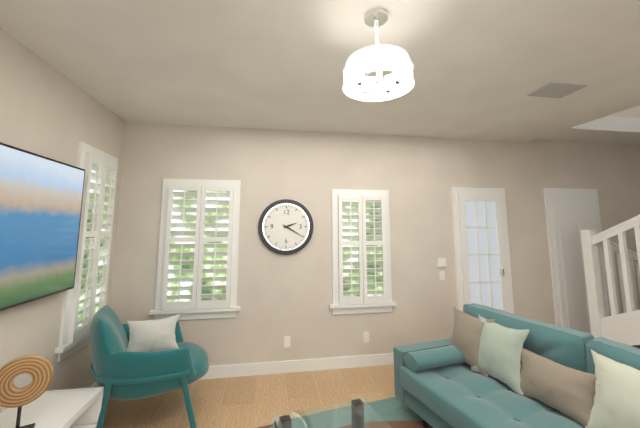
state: 2:20
